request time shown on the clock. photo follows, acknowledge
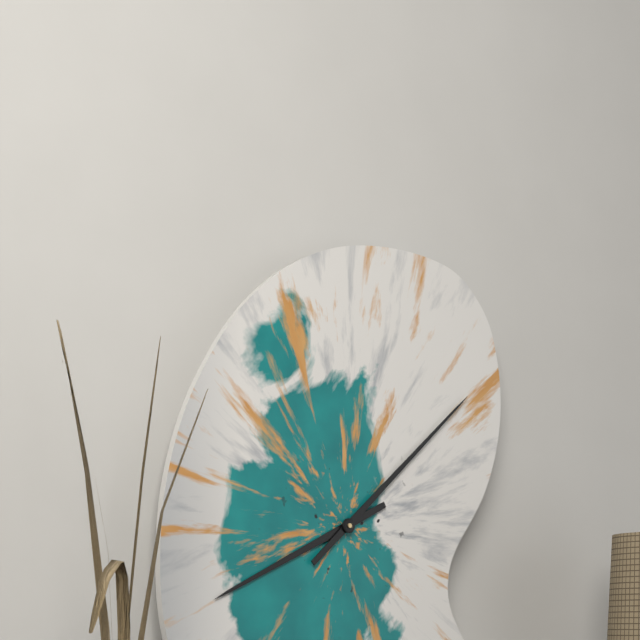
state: 8:08
